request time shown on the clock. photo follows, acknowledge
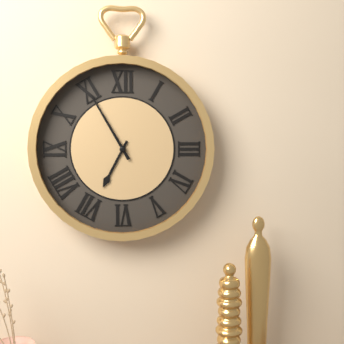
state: 6:55
